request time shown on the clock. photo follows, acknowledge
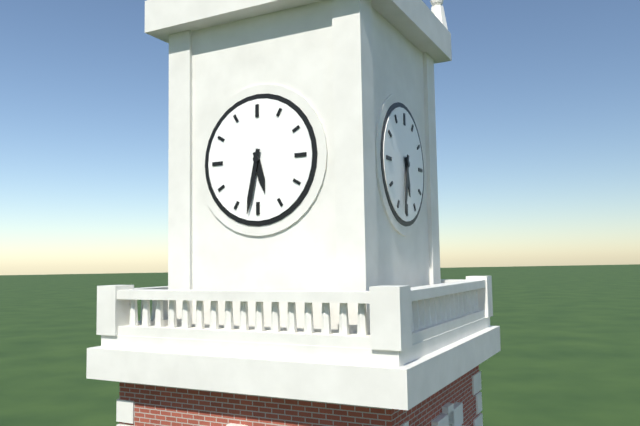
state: 5:32
